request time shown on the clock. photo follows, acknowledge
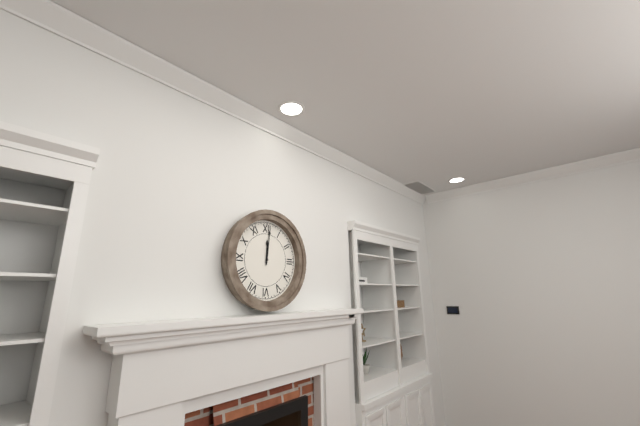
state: 12:01
